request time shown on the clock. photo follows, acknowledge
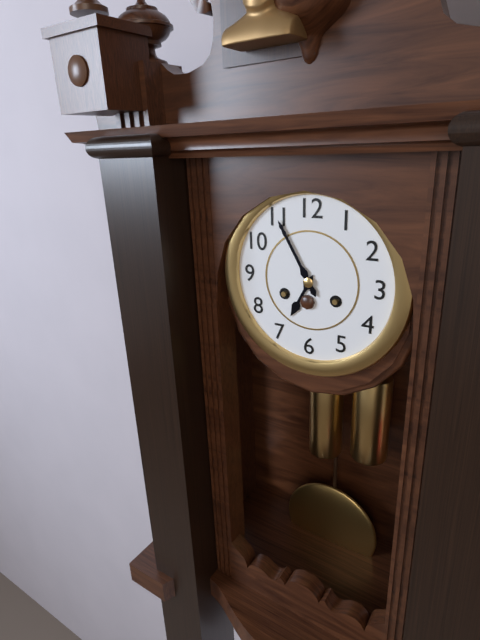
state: 6:55
